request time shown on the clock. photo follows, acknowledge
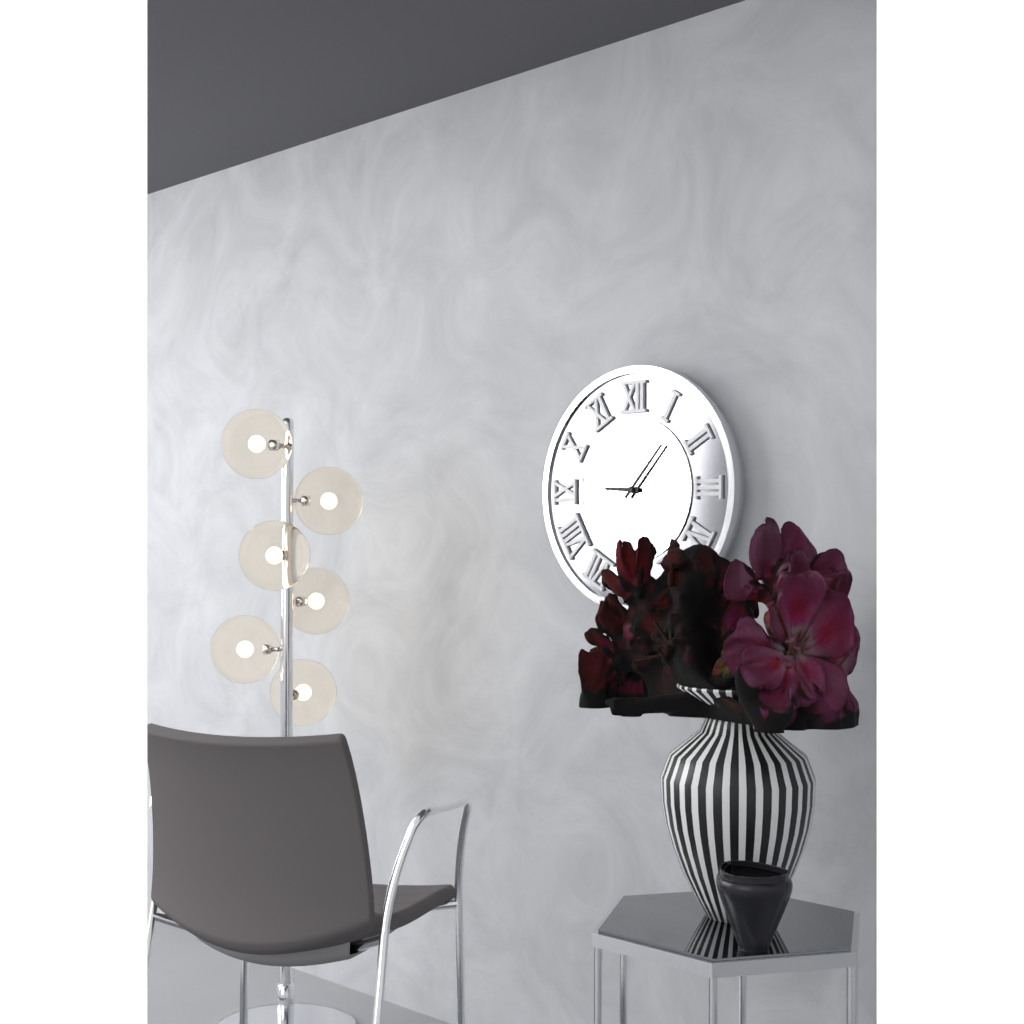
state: 9:07
